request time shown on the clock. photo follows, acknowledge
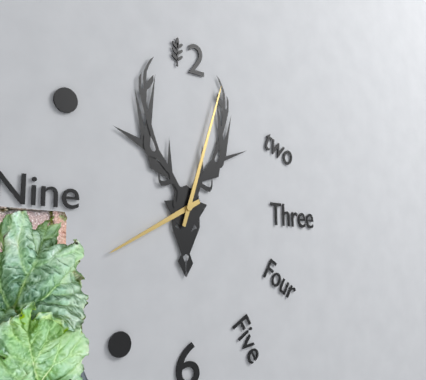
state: 8:03
